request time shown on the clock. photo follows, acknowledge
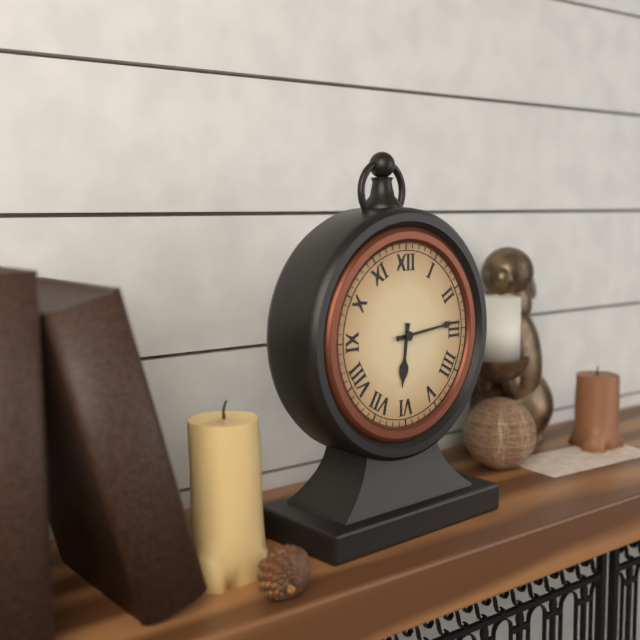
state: 6:14
